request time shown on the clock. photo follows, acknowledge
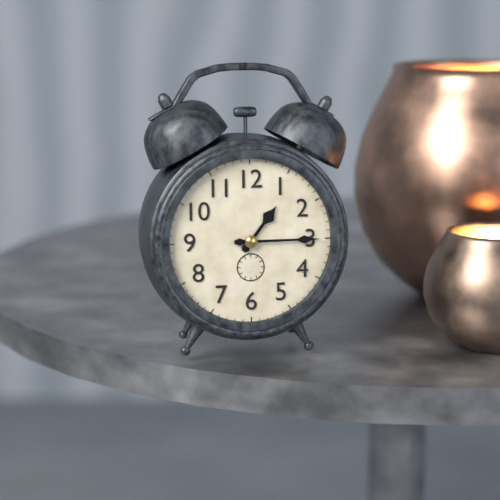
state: 1:15
